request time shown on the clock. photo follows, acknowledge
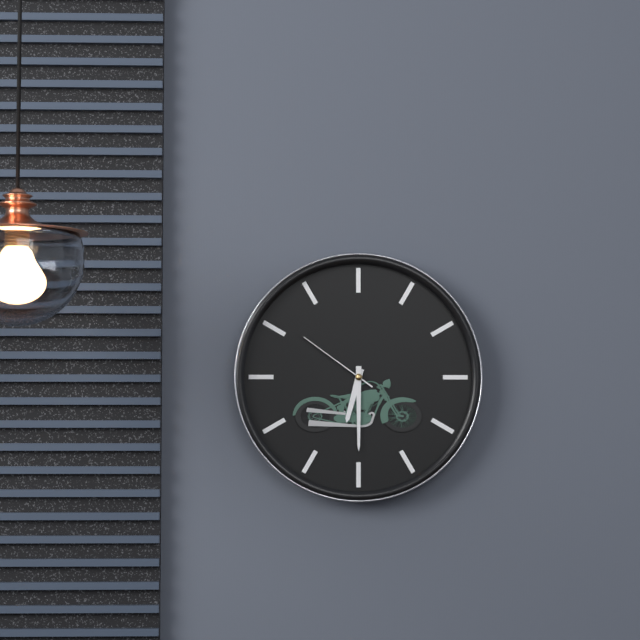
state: 6:30:51
